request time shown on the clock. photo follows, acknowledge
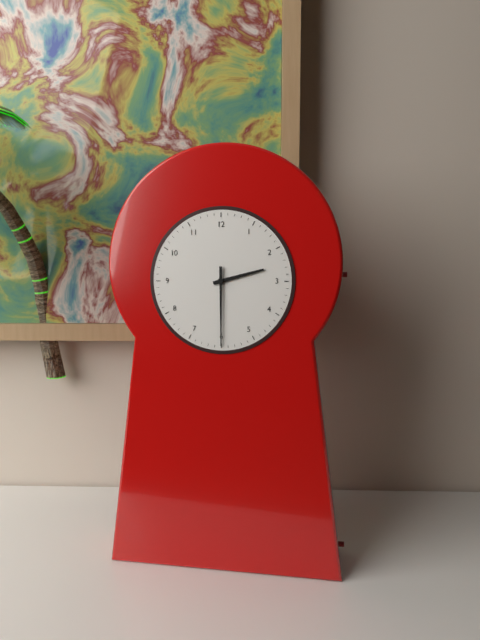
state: 2:30
